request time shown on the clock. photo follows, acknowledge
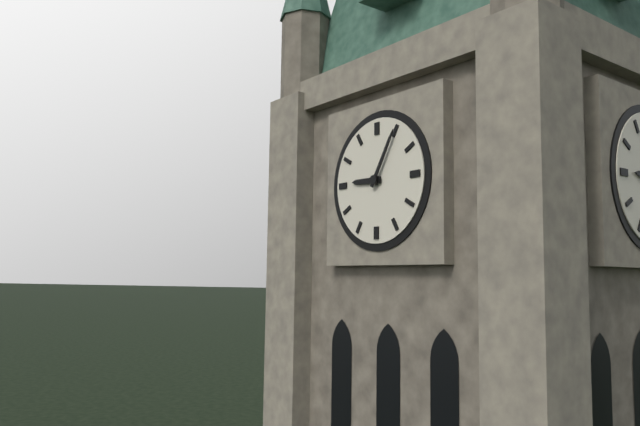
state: 9:05
